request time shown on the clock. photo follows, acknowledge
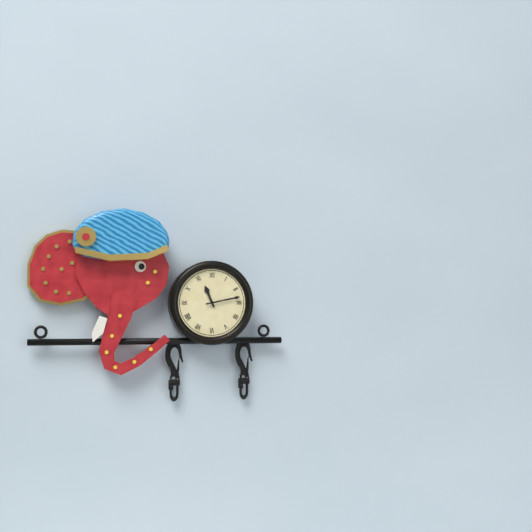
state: 11:13
